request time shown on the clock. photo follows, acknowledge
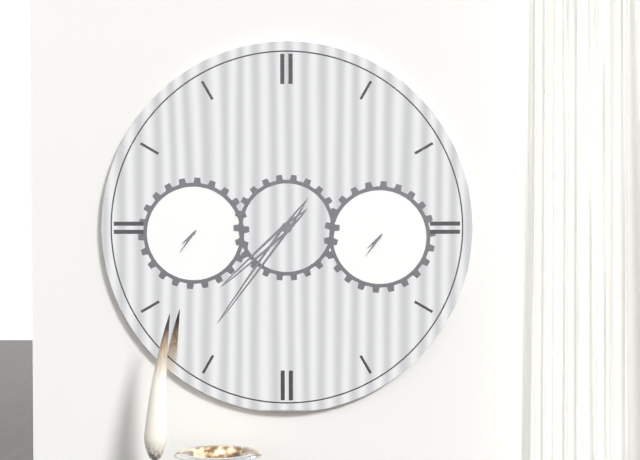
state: 7:36
